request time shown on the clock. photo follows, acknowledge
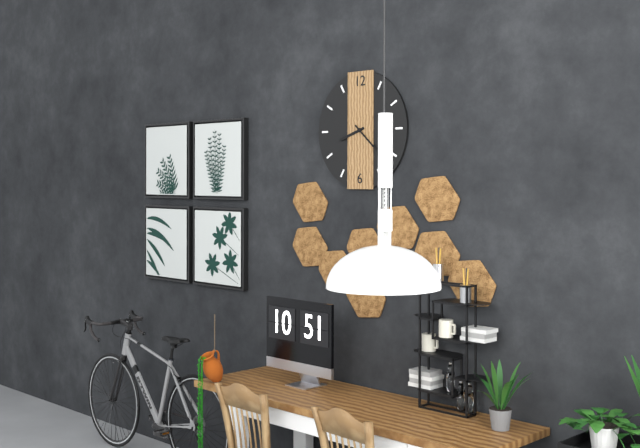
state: 8:22
